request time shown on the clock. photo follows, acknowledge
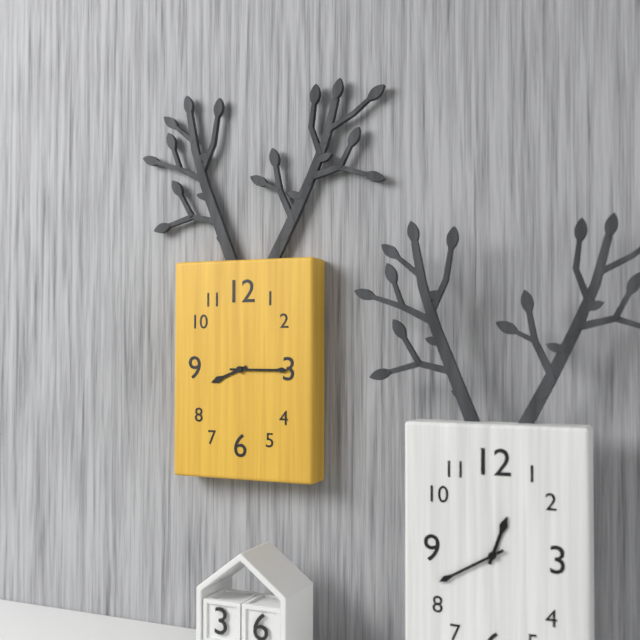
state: 8:15
